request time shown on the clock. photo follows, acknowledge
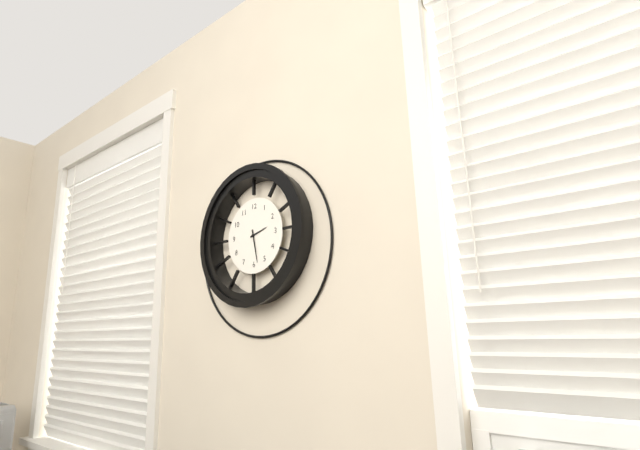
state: 2:28
